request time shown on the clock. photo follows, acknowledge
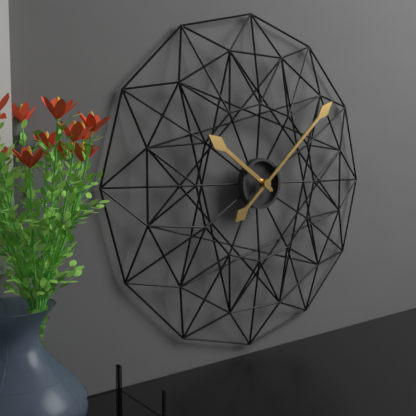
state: 10:08
